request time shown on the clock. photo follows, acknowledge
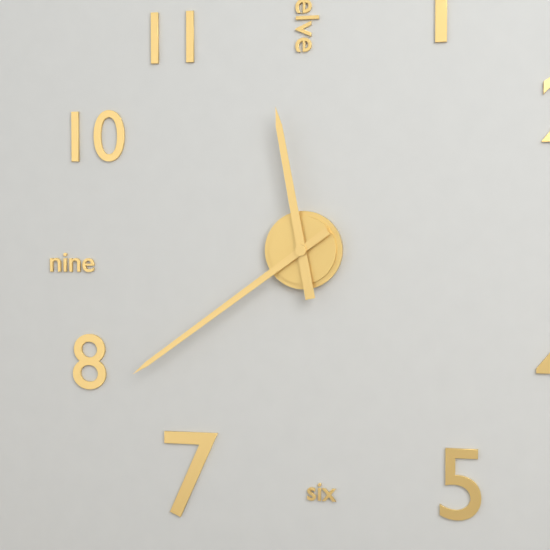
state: 11:39
